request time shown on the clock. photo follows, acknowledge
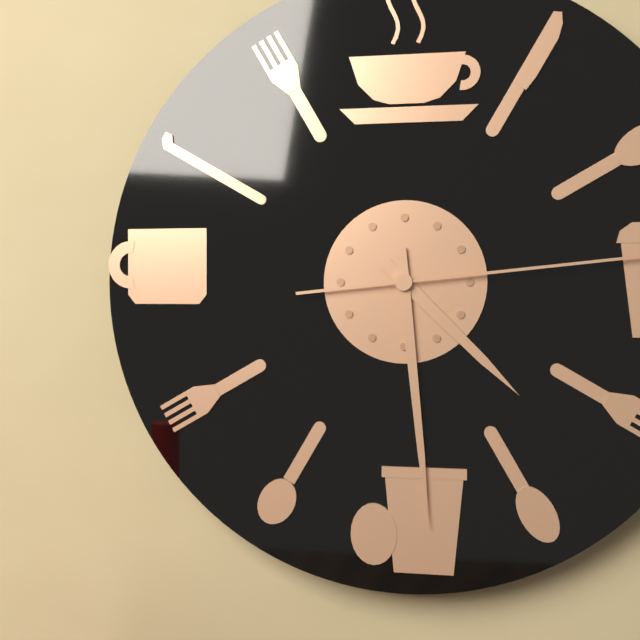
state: 4:29
